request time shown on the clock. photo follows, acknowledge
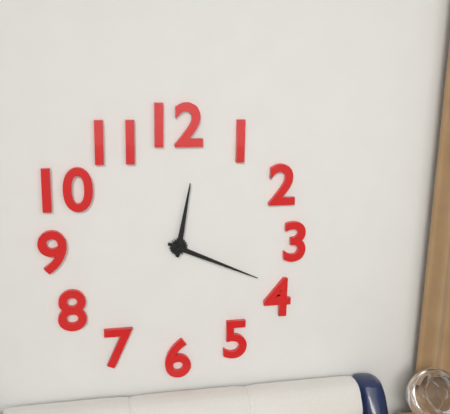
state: 12:19
